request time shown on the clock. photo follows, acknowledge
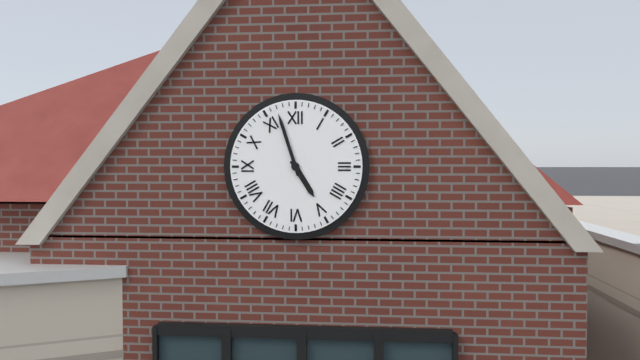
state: 4:57
